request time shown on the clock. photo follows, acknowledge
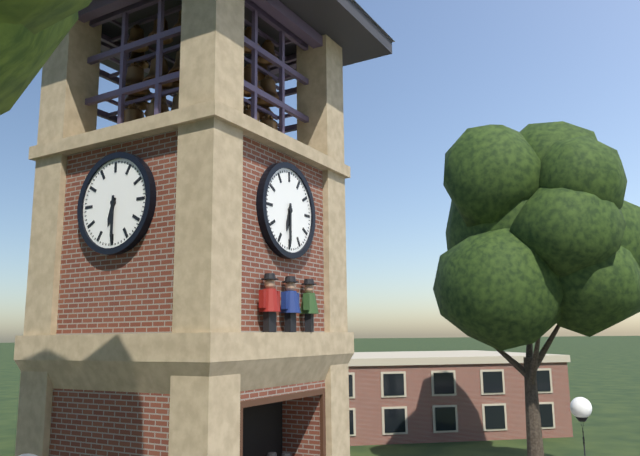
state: 6:30
